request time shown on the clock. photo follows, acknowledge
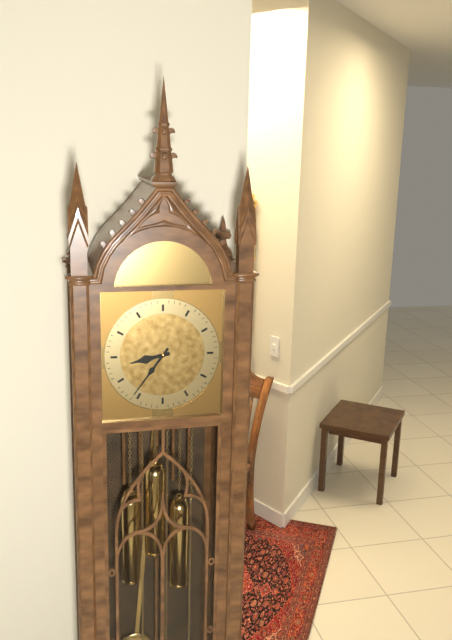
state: 8:36
